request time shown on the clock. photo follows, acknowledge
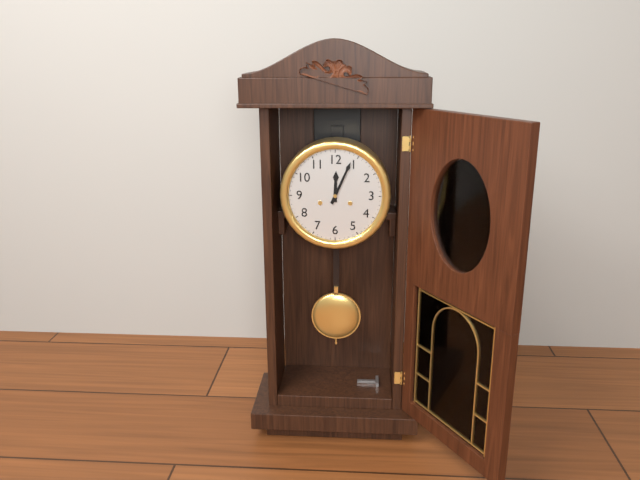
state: 12:04
